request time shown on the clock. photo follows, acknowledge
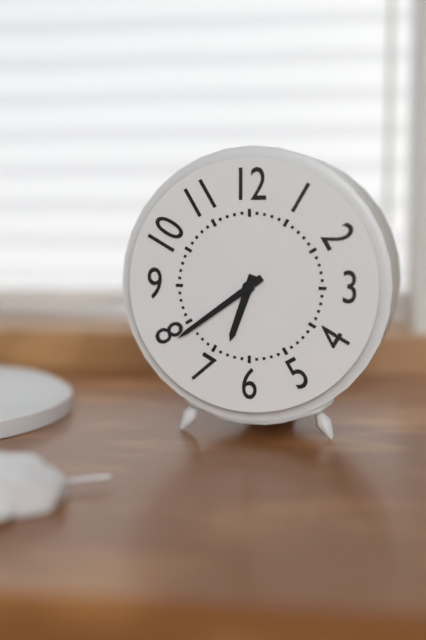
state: 6:39
